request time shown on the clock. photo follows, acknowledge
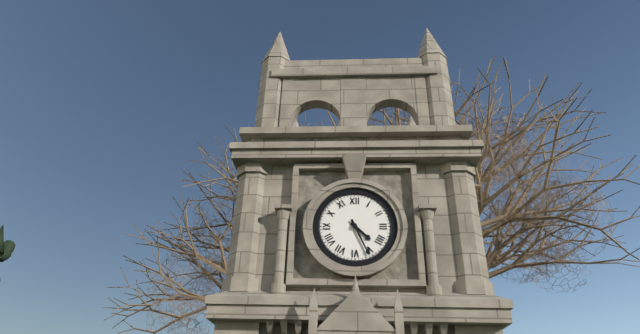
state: 4:26
